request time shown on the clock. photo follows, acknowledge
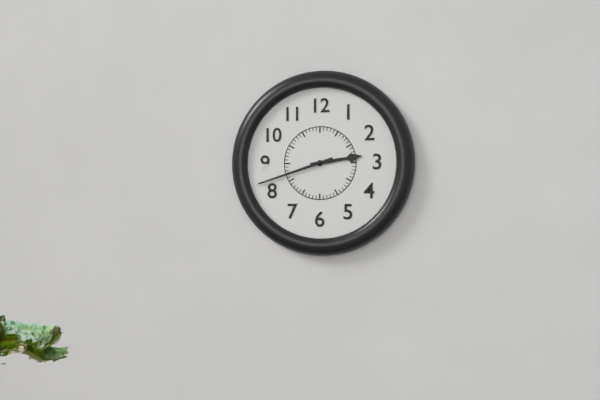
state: 2:42
